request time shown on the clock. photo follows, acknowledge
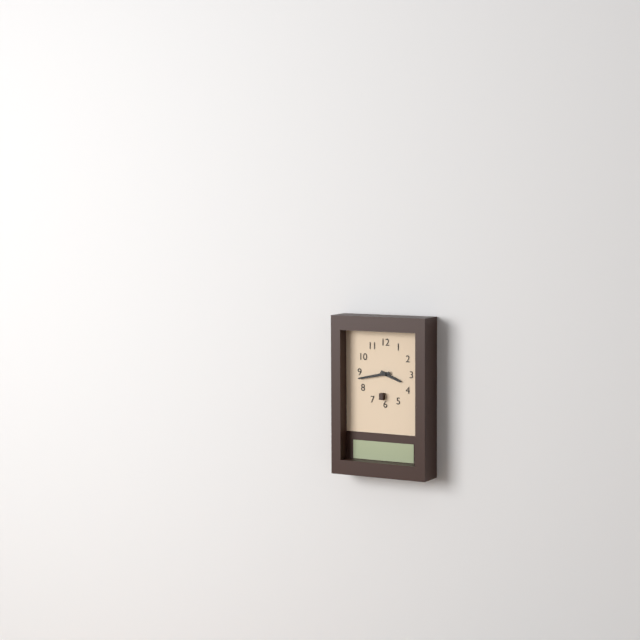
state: 3:43
